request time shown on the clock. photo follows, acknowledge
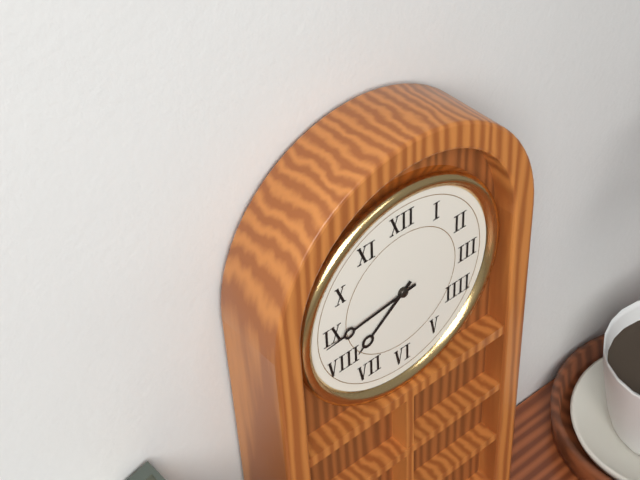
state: 7:44
